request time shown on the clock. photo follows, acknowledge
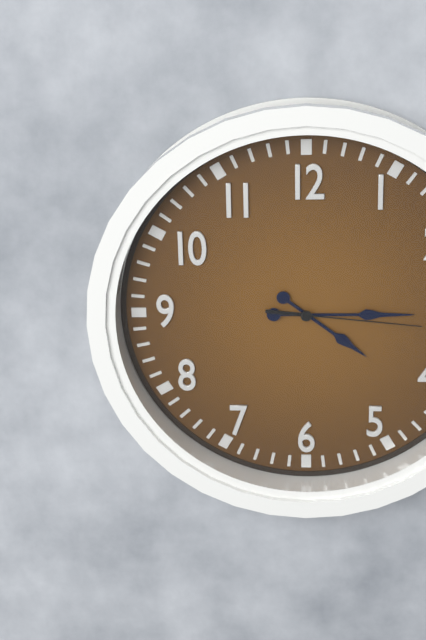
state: 4:15:16
